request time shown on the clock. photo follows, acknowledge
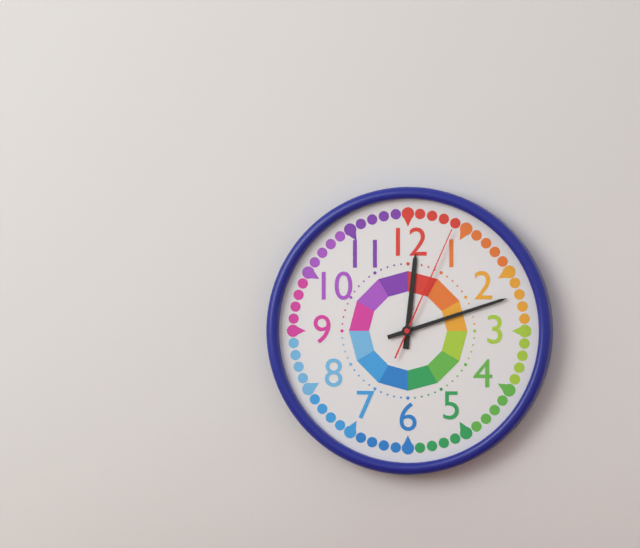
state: 12:12:04
